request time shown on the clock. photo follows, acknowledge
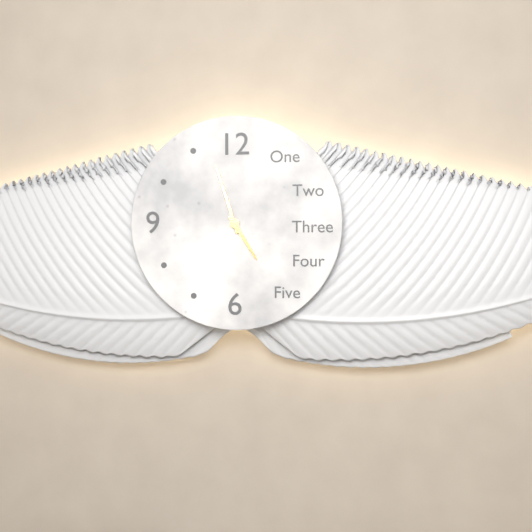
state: 4:57
